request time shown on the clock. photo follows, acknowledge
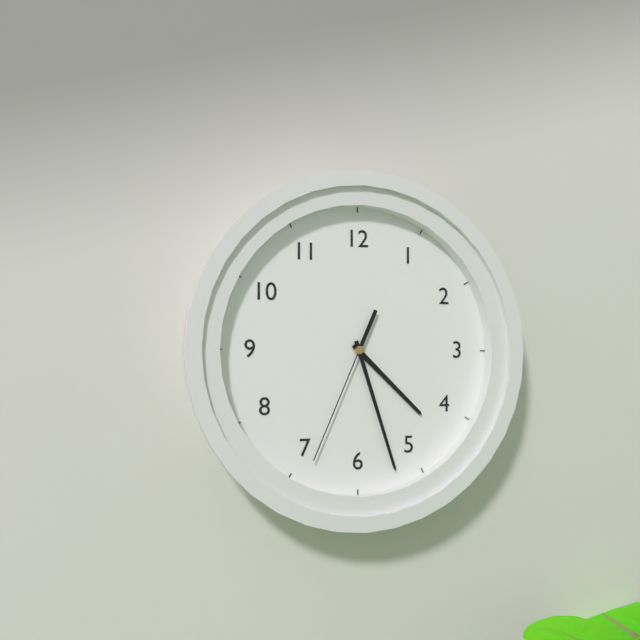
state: 4:27:34
